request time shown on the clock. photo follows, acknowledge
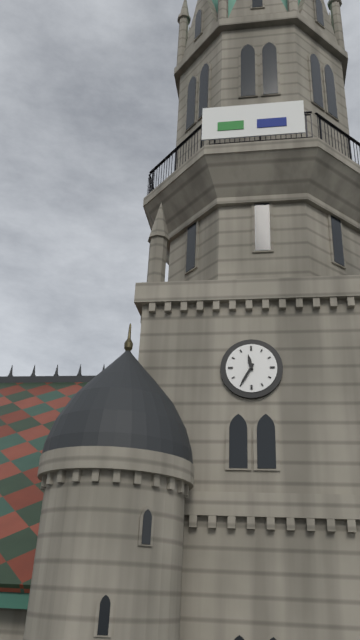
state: 11:35
